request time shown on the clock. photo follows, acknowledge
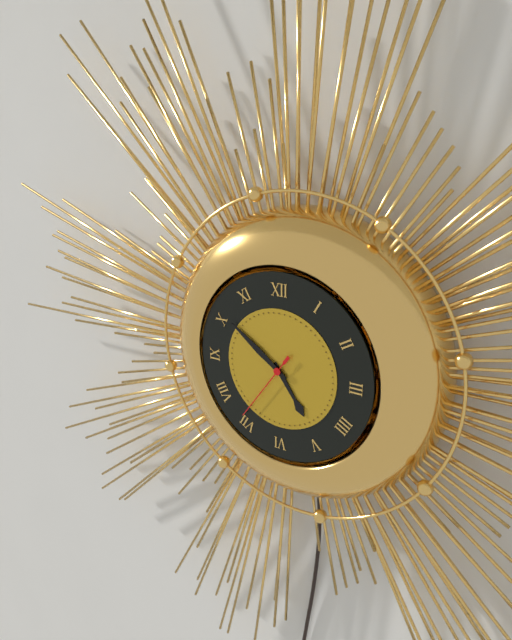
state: 4:51:36
